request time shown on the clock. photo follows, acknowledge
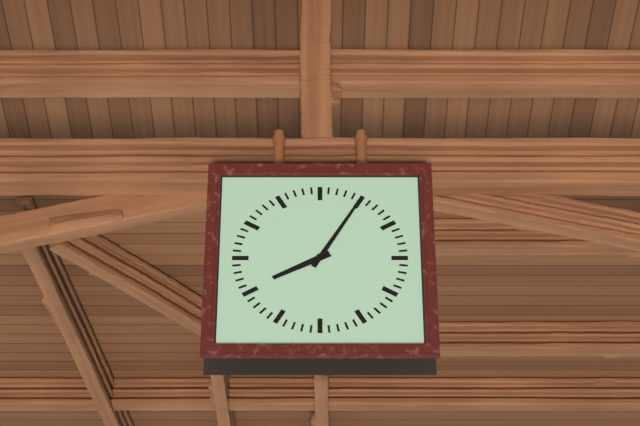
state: 8:05
